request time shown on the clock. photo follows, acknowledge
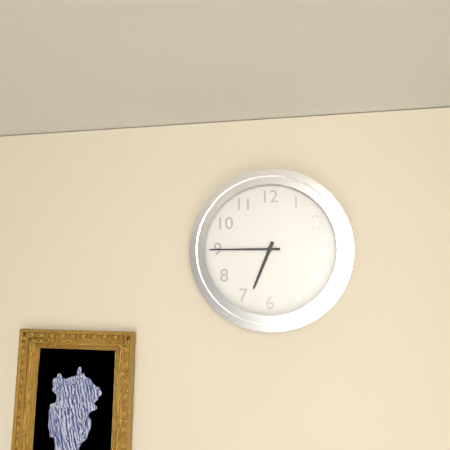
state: 6:45
